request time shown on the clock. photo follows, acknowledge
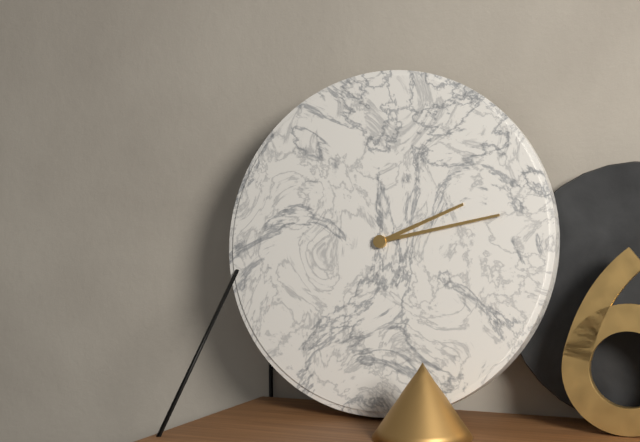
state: 2:13
